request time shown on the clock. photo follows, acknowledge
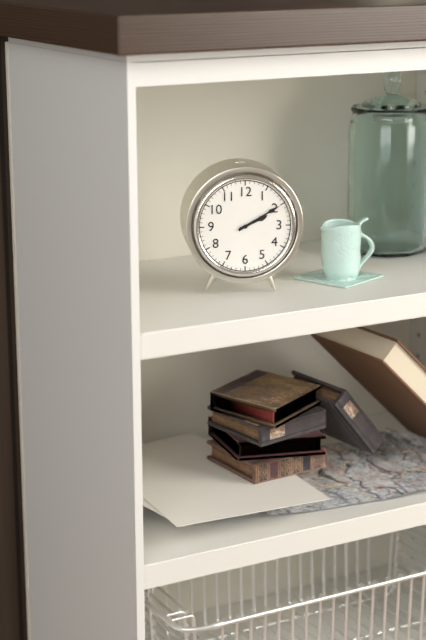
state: 2:10
